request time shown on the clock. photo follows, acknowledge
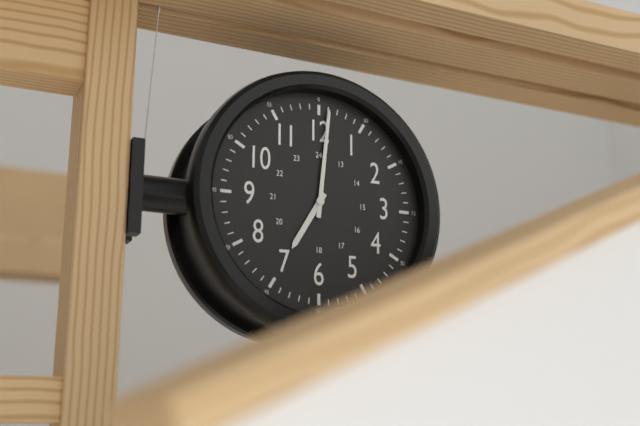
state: 7:01
